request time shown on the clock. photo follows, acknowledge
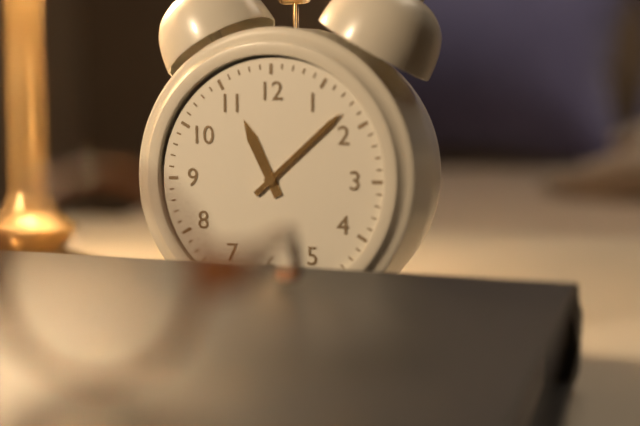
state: 11:08
